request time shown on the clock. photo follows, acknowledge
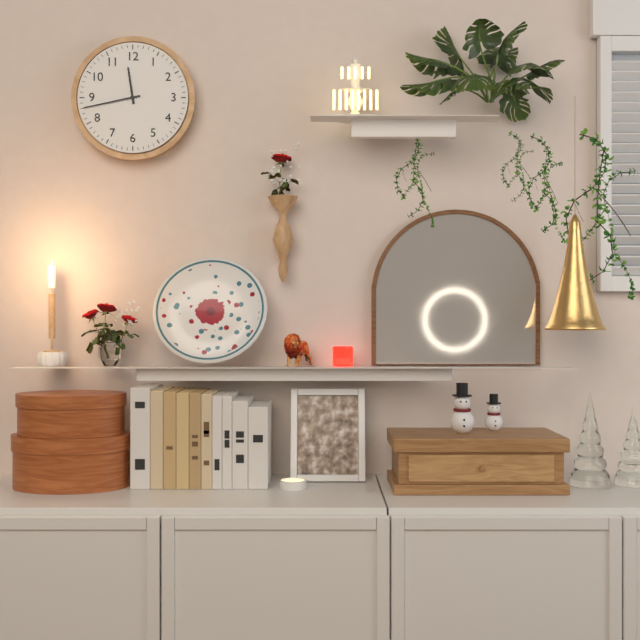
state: 11:43
